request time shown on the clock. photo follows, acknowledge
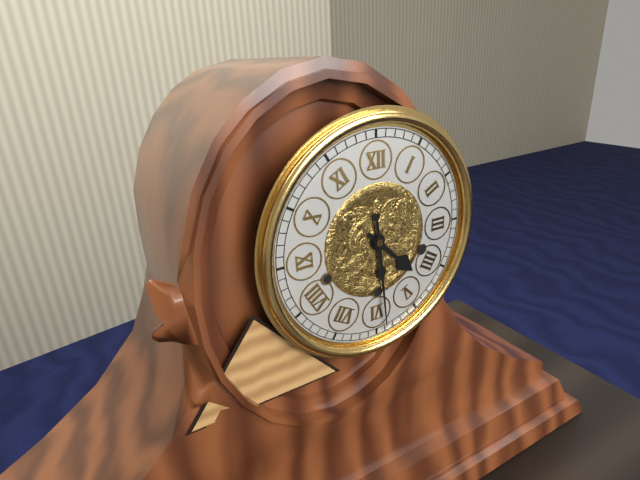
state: 4:29
